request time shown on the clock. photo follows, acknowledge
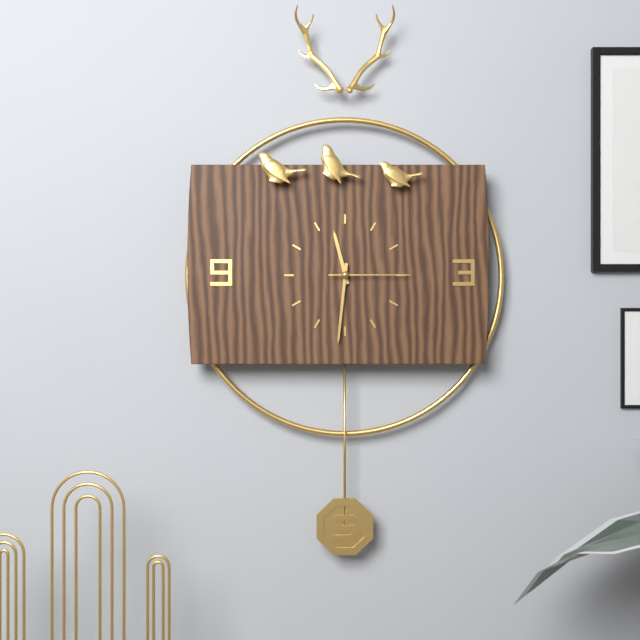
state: 11:31:15
